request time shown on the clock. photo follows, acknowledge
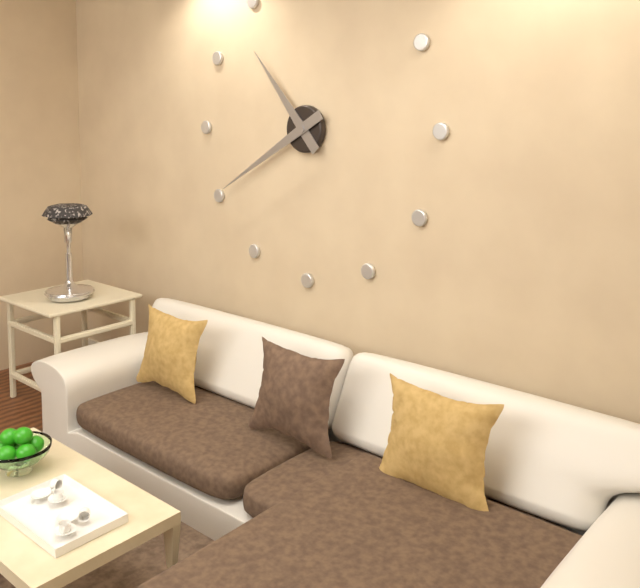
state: 10:40
